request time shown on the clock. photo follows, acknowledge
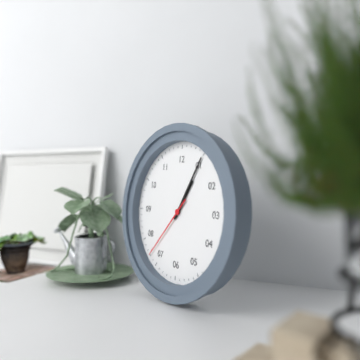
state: 1:05:37
